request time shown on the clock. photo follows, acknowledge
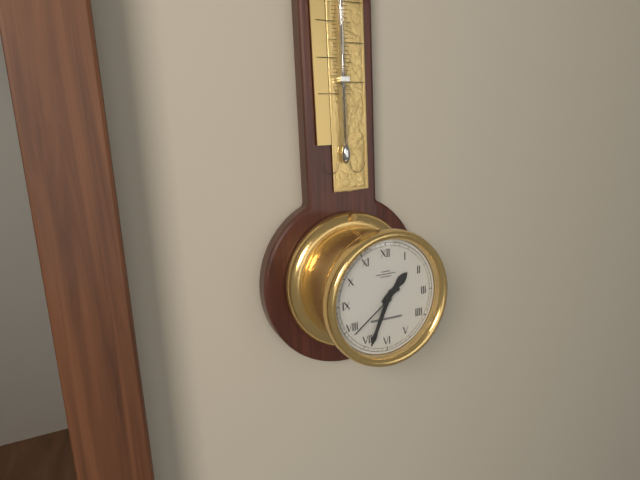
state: 1:34:39
